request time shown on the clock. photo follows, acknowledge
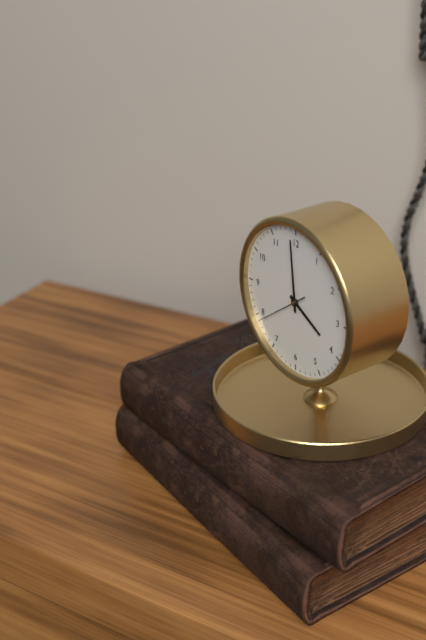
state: 3:59
